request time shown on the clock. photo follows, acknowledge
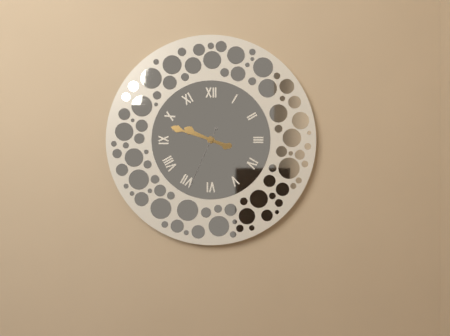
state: 9:48:34
